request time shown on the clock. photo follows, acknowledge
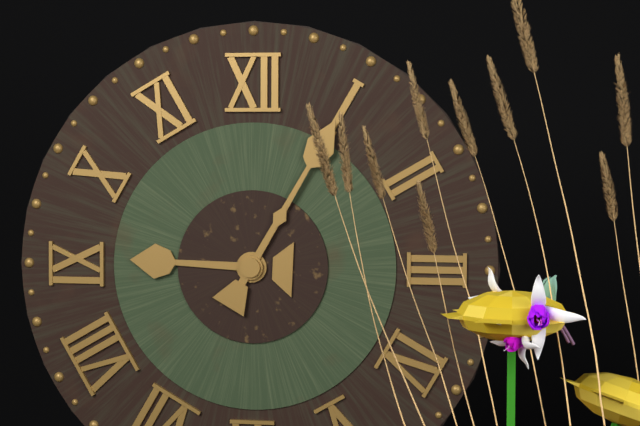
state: 9:05
